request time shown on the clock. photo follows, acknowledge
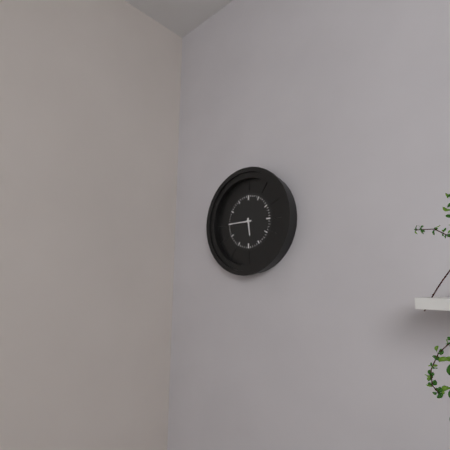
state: 5:45
